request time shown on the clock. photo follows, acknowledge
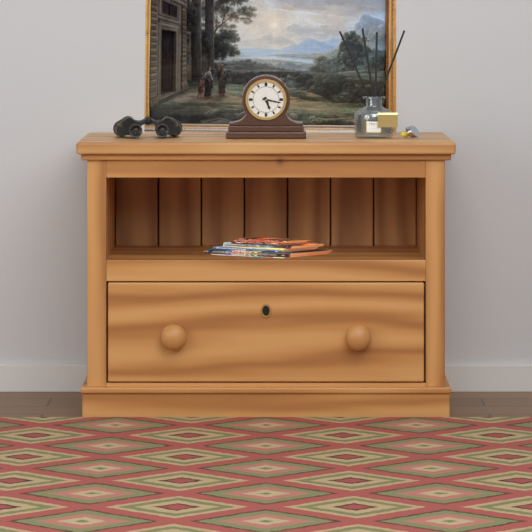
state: 5:17
